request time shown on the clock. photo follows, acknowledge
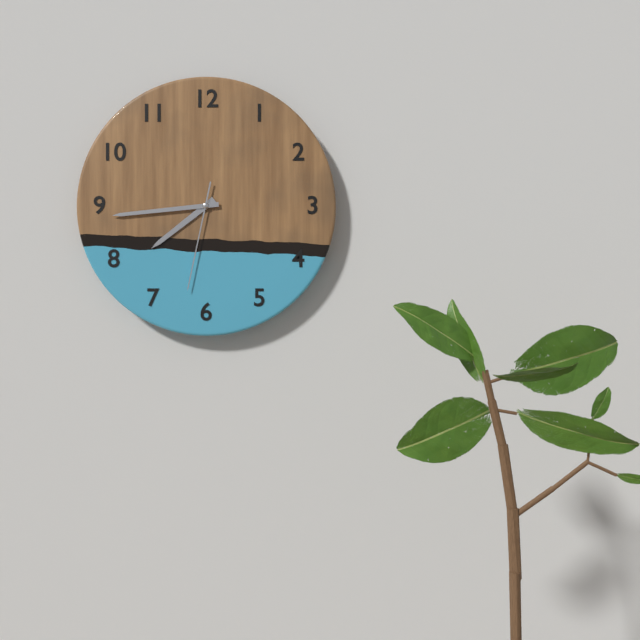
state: 7:44:32
